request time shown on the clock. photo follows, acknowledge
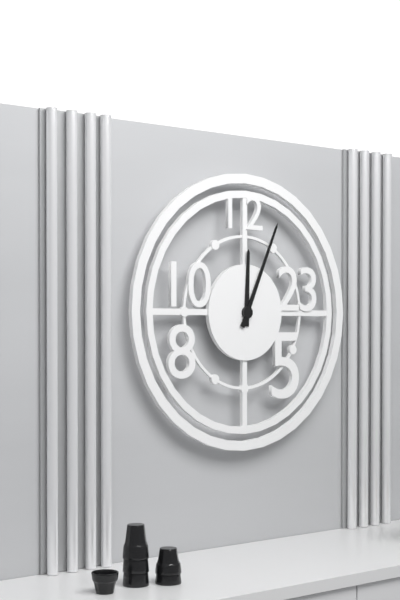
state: 12:04
